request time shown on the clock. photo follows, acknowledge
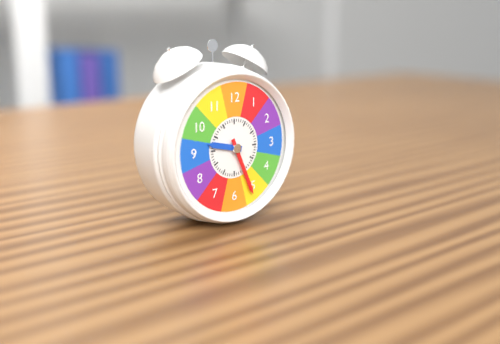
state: 9:26
